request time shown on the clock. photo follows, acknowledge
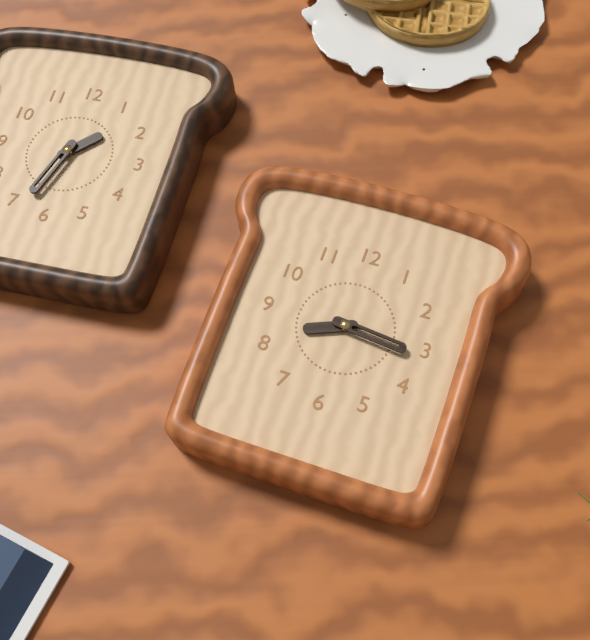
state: 8:16
